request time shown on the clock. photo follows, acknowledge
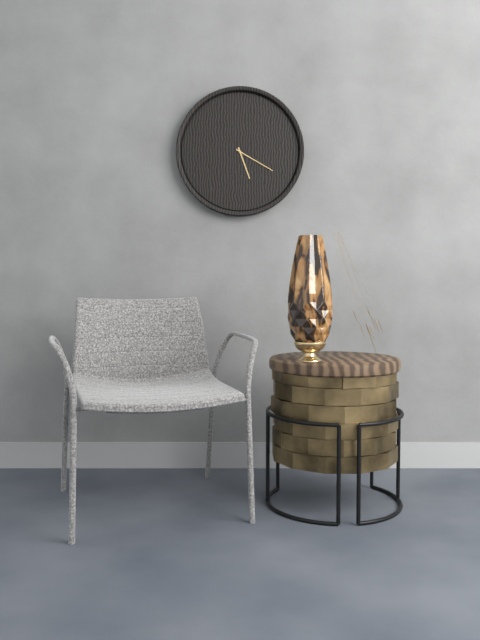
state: 5:20
